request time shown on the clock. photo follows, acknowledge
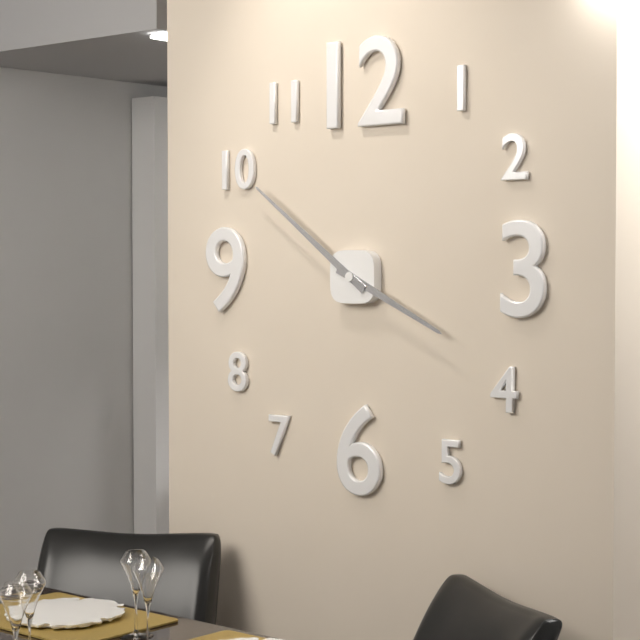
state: 3:51
